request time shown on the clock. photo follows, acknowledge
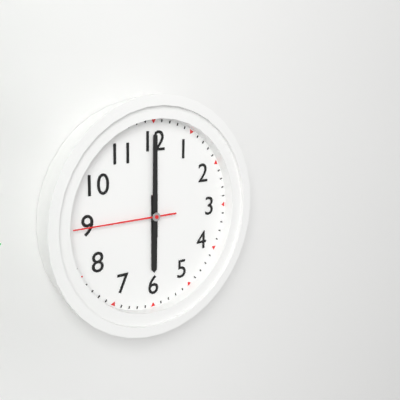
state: 6:00:45
